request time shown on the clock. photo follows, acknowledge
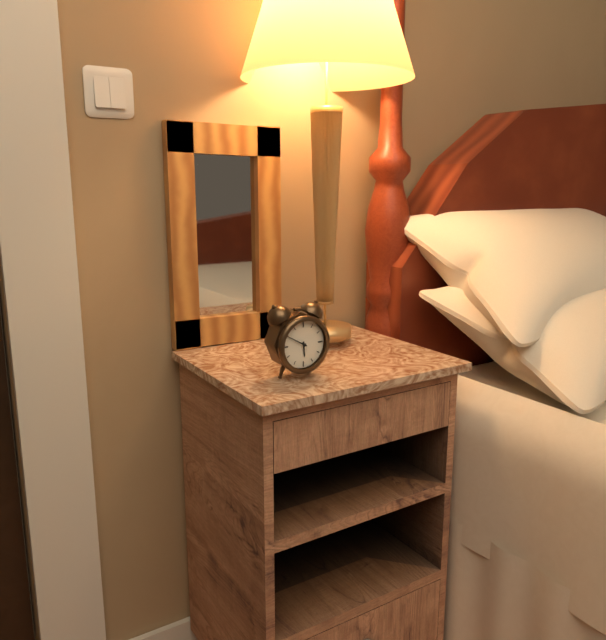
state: 5:50
